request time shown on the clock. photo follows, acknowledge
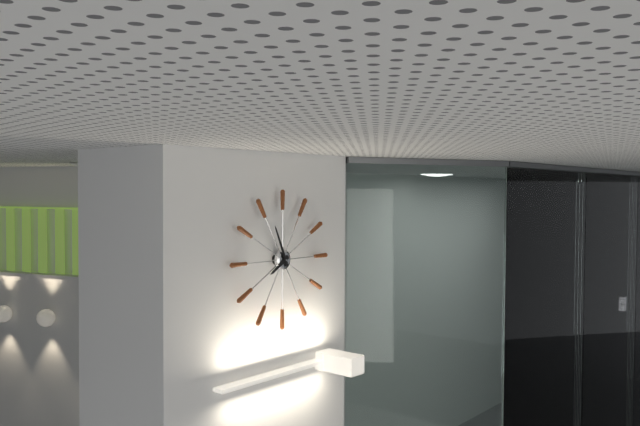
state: 7:56
